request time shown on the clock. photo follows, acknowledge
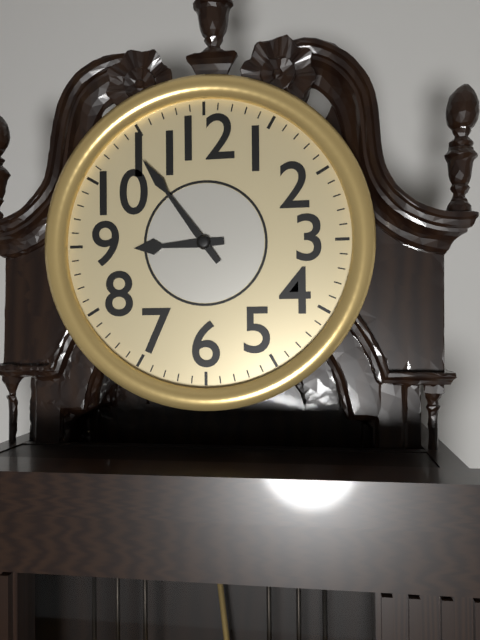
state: 8:54
